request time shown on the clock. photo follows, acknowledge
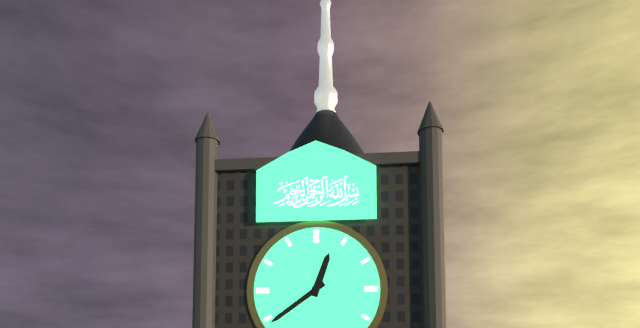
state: 12:39
